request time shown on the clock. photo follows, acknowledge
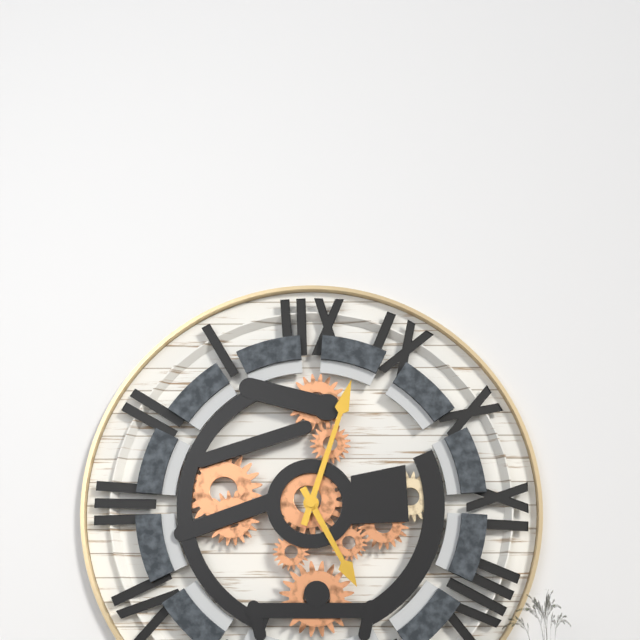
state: 5:03
